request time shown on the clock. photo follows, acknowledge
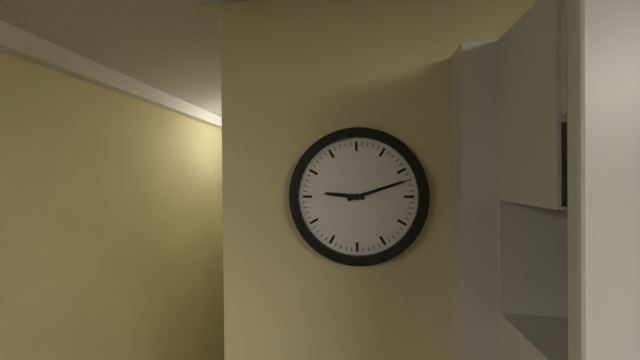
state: 9:12
